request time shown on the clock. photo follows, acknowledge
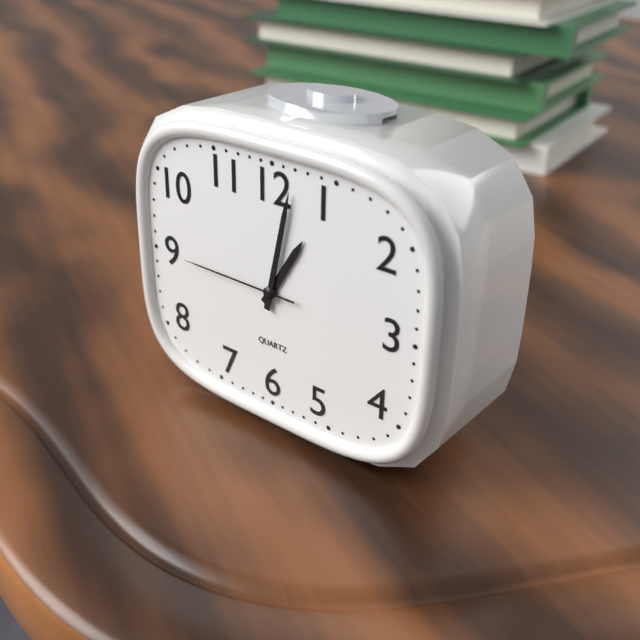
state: 1:02:45
